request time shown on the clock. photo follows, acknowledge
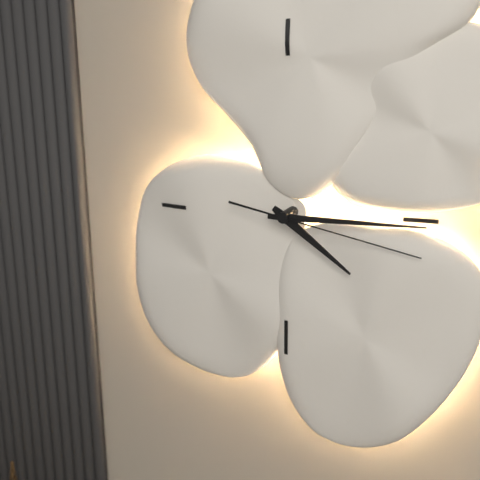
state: 4:15:17
